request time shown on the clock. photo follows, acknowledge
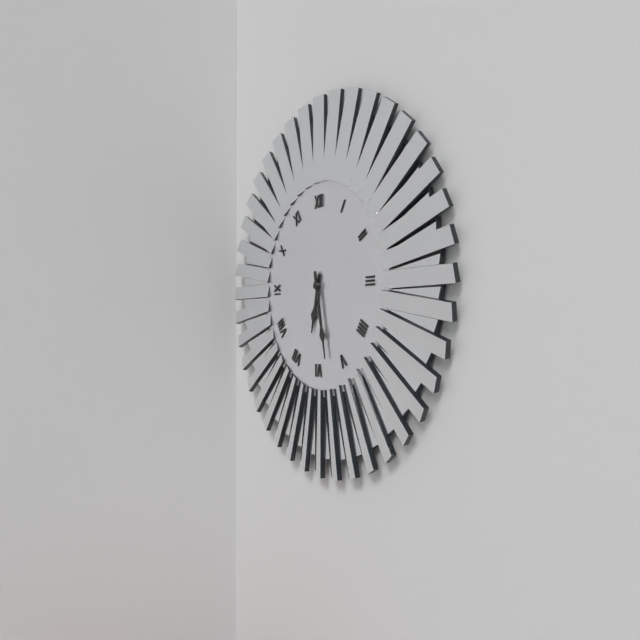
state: 6:28
